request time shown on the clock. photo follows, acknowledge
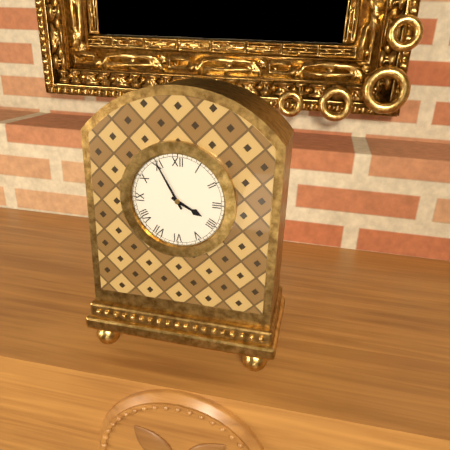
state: 3:55
